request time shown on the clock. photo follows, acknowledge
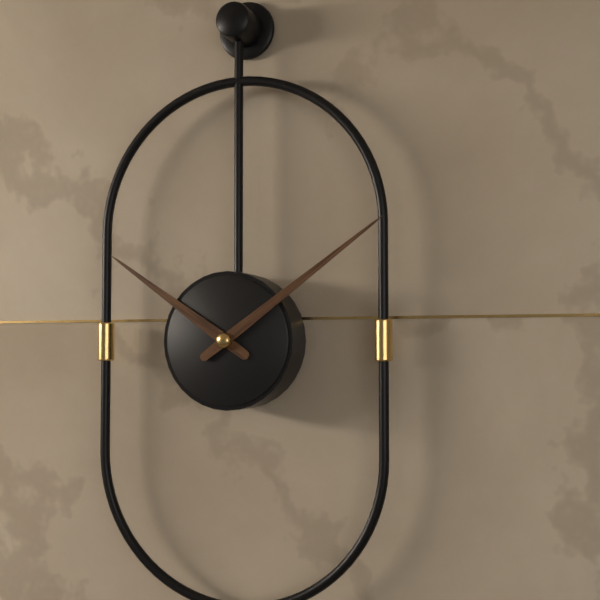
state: 10:09
